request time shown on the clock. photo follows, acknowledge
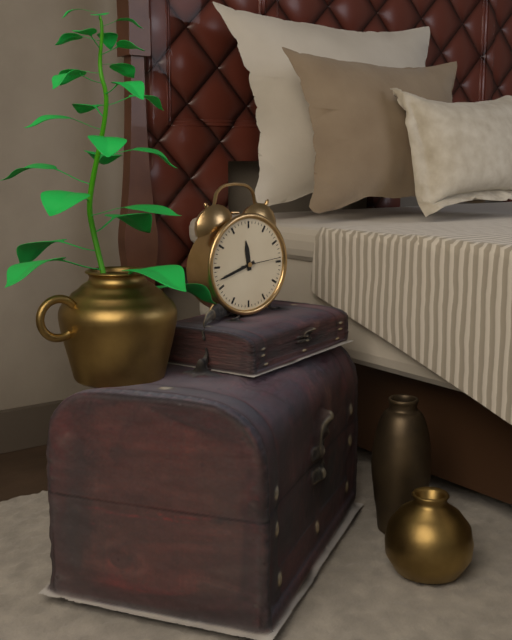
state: 11:42
